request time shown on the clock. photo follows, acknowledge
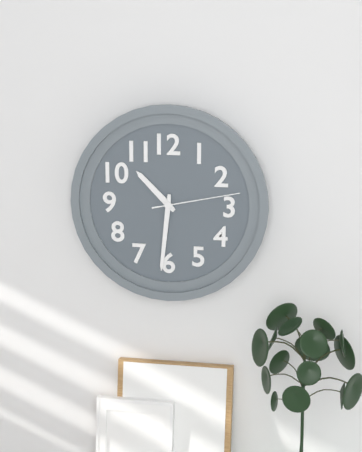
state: 10:31:13
